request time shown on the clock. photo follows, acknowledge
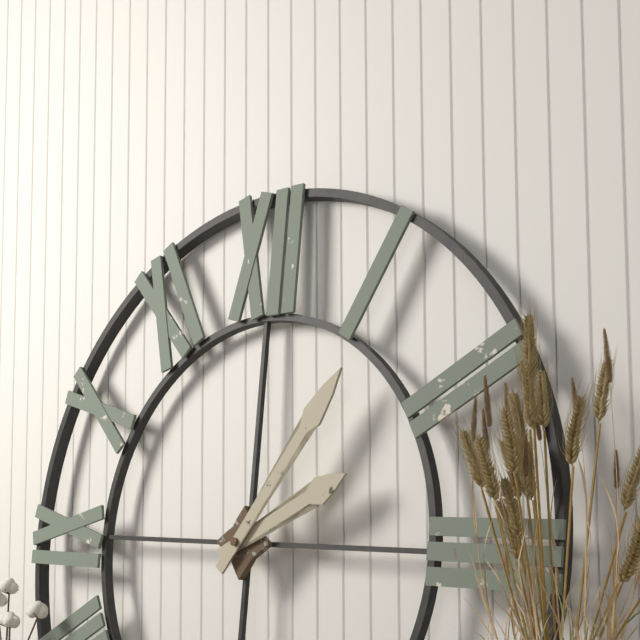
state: 2:06
